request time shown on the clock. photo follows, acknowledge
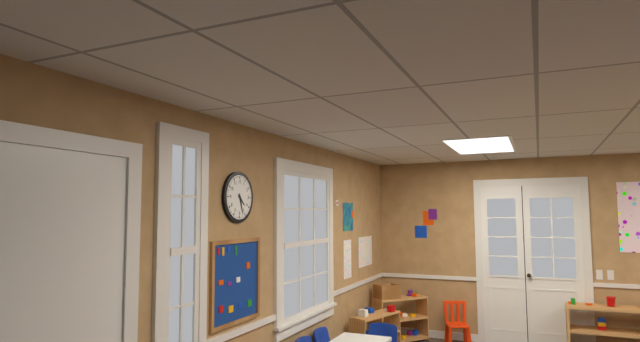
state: 4:27
